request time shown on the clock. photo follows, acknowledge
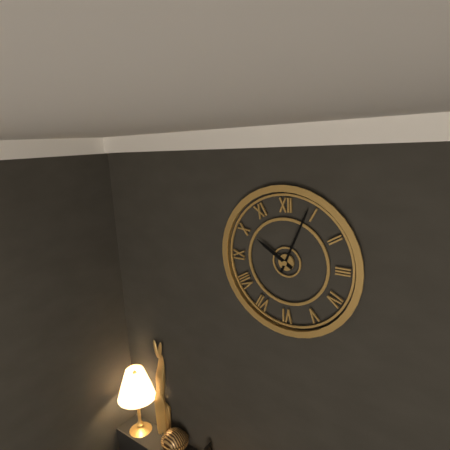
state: 10:04
